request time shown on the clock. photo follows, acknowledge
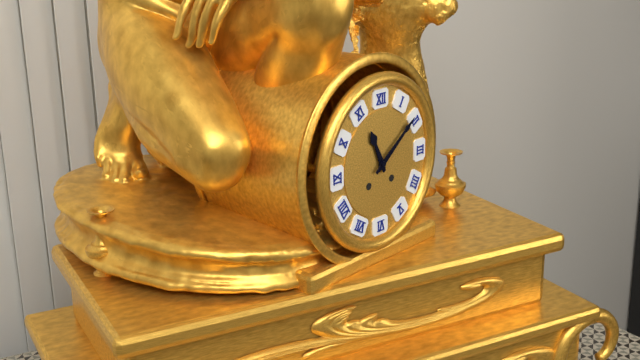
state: 11:09
